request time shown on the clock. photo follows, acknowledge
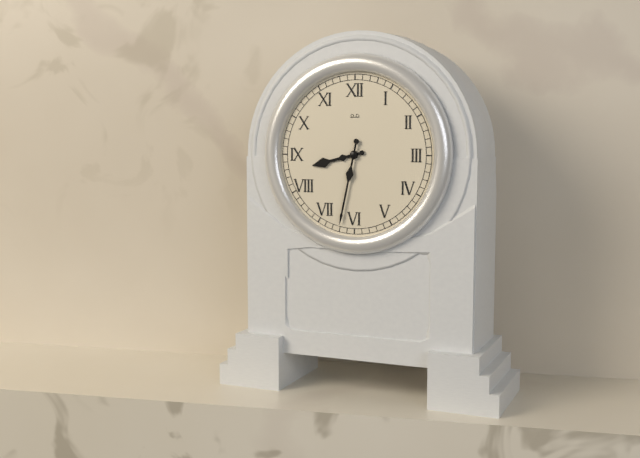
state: 8:32
